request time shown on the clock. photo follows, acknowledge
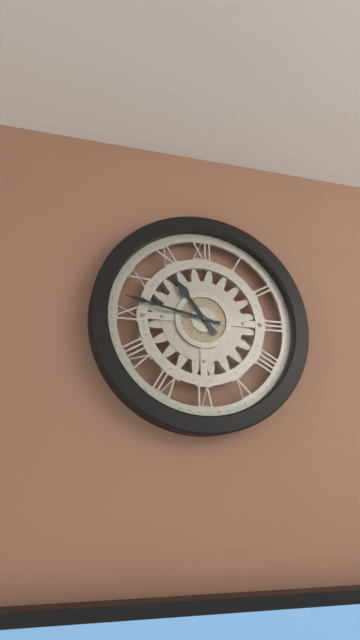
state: 10:47
